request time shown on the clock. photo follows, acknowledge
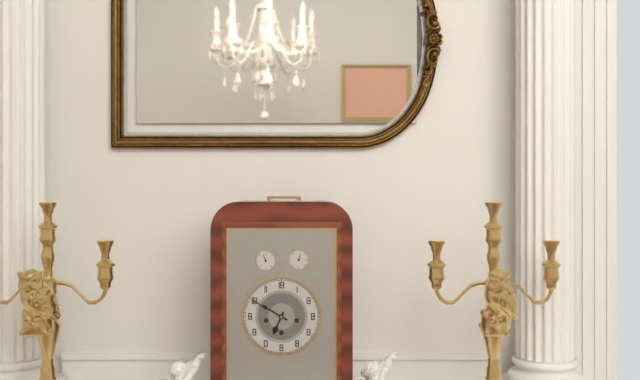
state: 6:50
